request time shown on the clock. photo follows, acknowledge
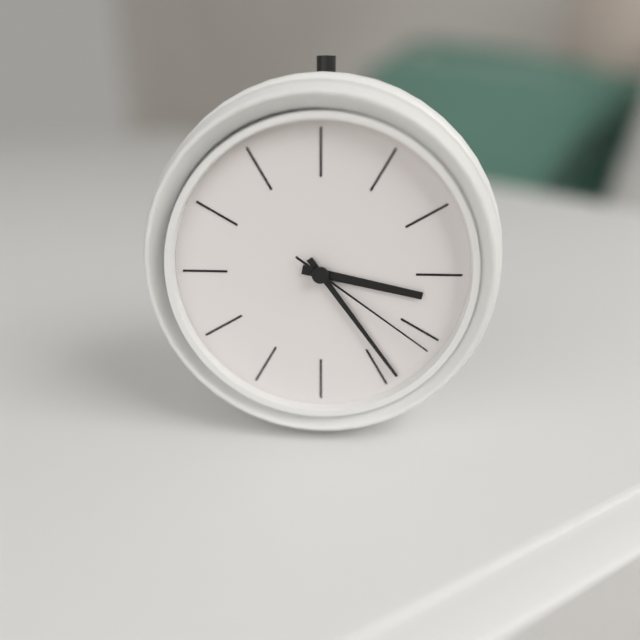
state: 3:24:21
